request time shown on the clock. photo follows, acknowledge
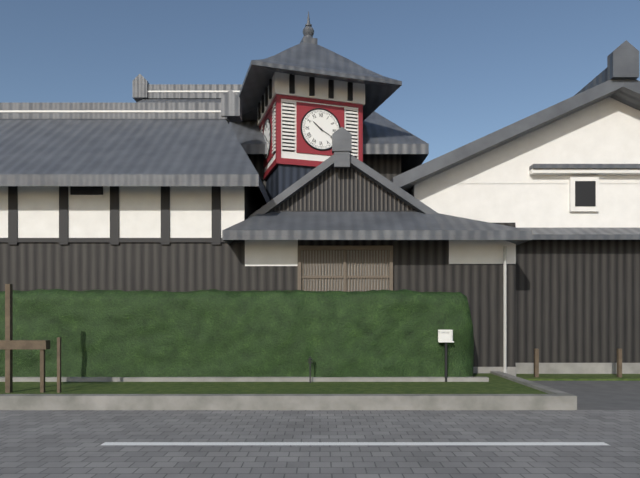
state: 10:20
